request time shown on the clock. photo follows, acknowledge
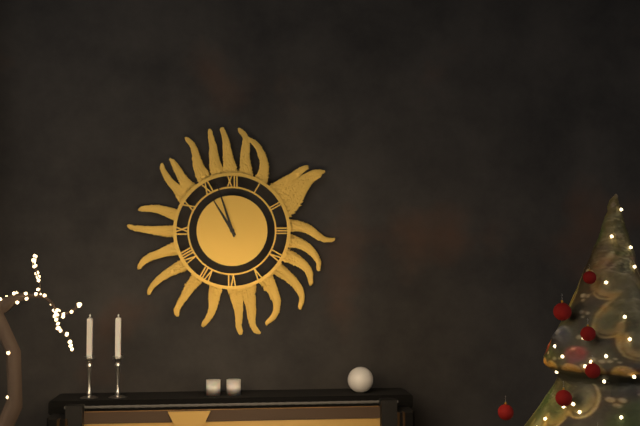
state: 10:57
